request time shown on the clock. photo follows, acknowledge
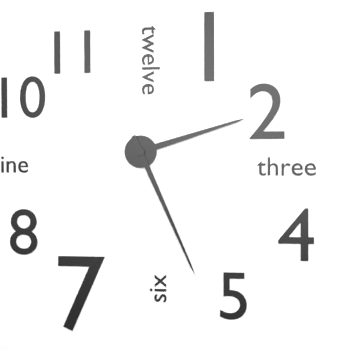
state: 2:26
